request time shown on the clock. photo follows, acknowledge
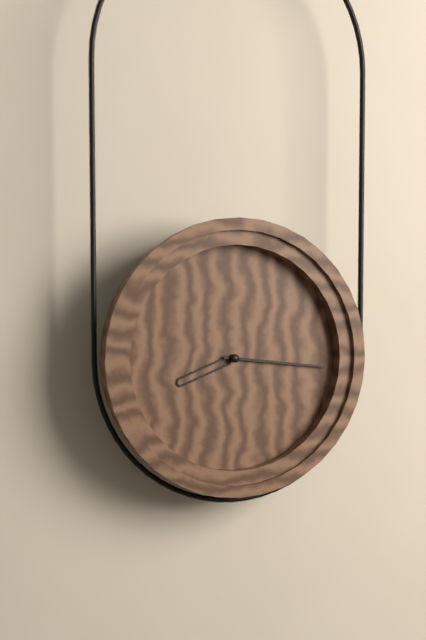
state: 8:16
